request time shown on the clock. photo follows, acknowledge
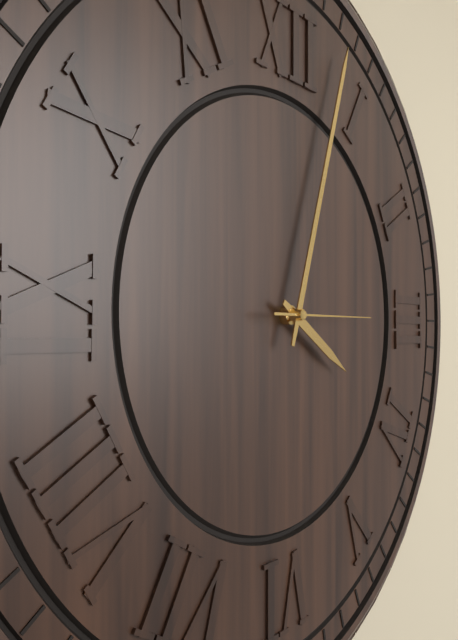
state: 4:03:15
